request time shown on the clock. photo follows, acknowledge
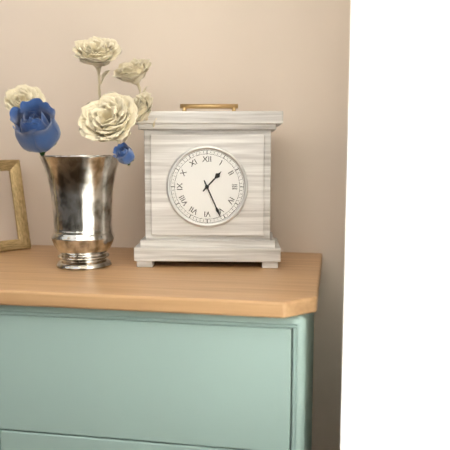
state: 1:26
